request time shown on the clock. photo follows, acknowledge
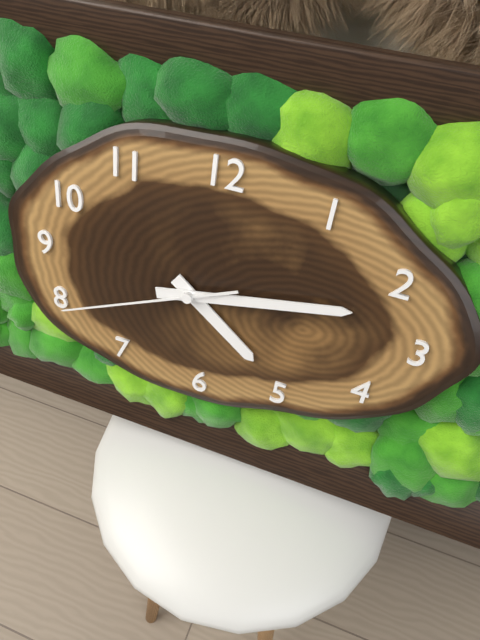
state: 4:13:41
